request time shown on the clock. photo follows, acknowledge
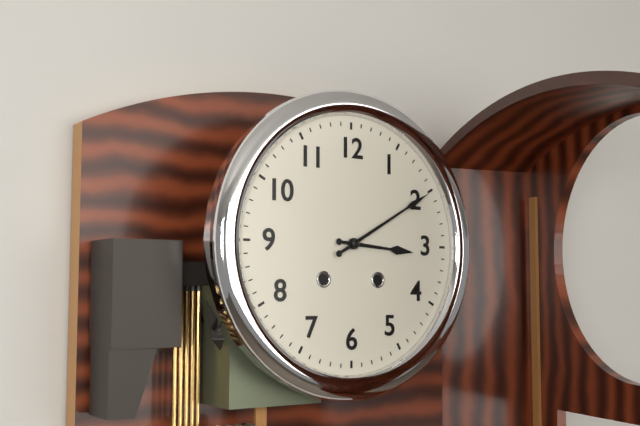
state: 3:10
